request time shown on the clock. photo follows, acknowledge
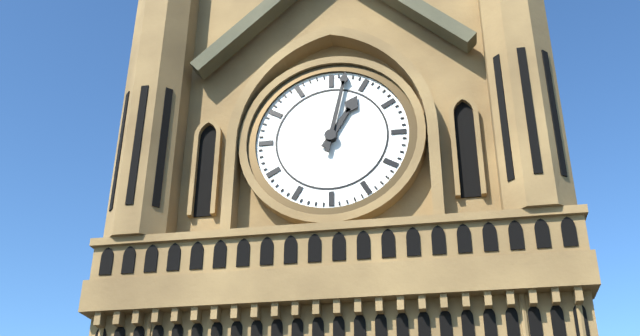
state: 1:02
